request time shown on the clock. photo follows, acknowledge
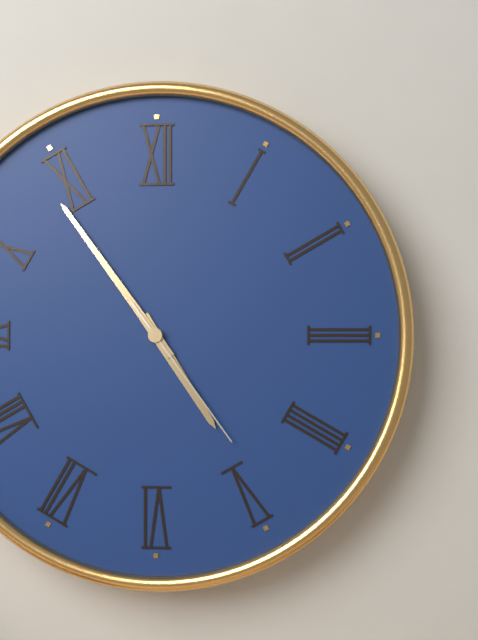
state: 4:54:24
